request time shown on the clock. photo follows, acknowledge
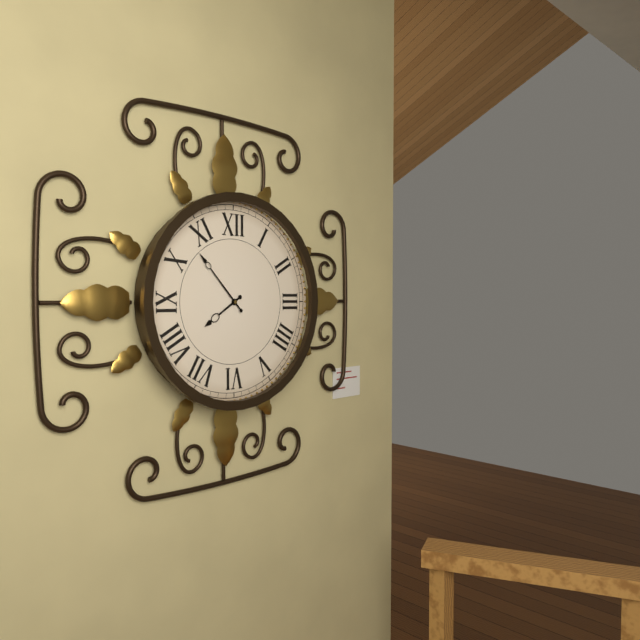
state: 7:53
